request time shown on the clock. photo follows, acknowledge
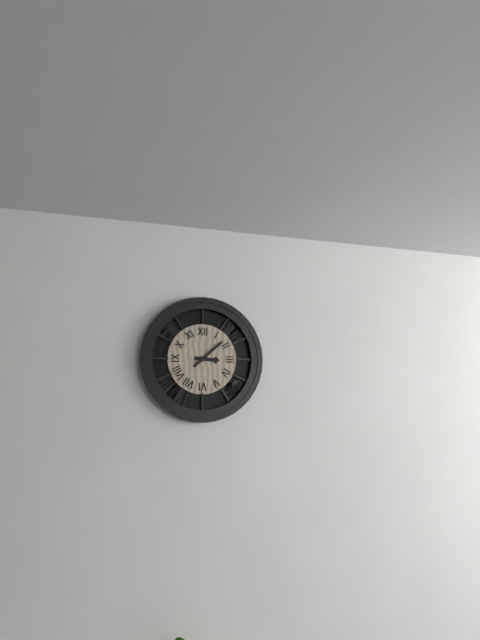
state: 3:08
